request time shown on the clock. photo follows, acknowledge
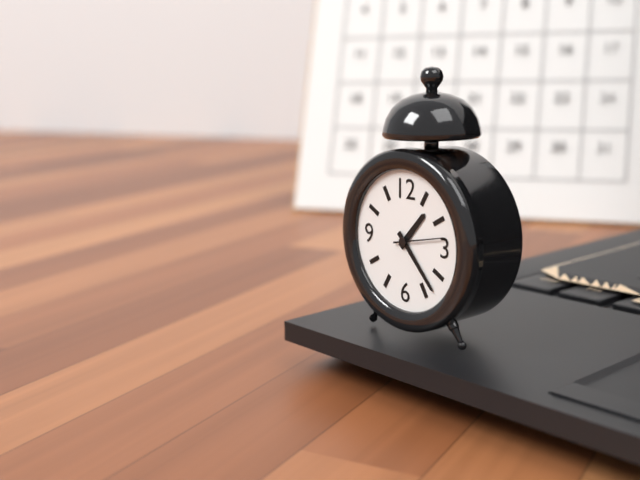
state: 1:23
